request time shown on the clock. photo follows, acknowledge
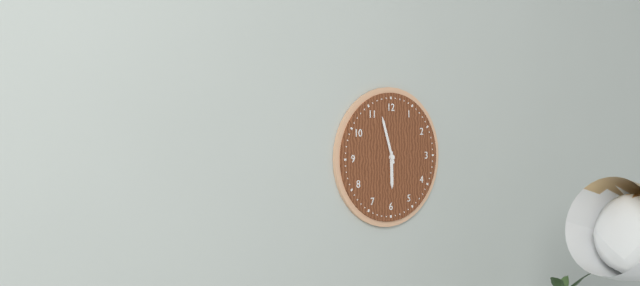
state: 5:57
